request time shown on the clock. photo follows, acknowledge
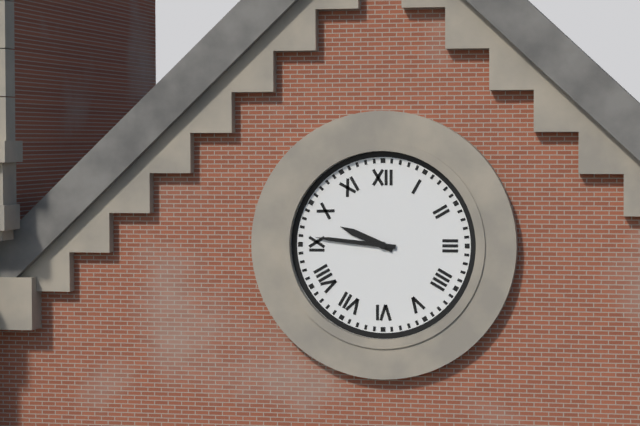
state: 9:46
